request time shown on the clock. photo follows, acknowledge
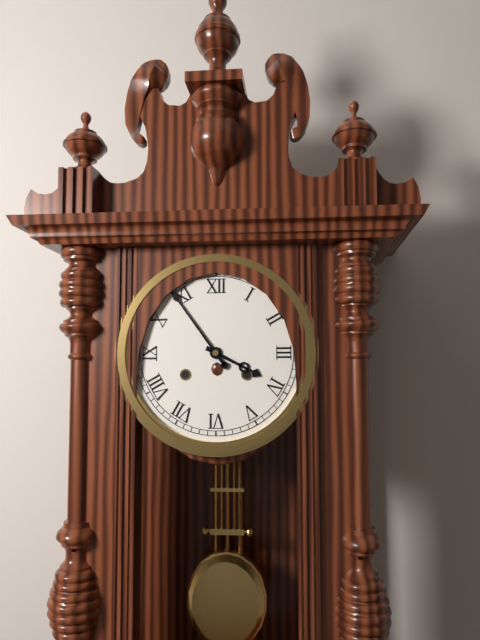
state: 3:54
